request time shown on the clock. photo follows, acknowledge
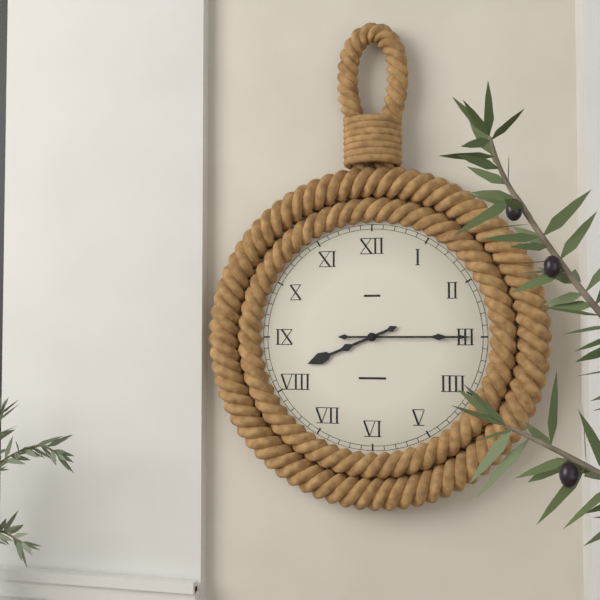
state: 8:15
